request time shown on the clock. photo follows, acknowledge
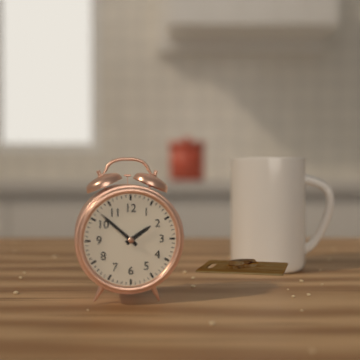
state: 1:52
